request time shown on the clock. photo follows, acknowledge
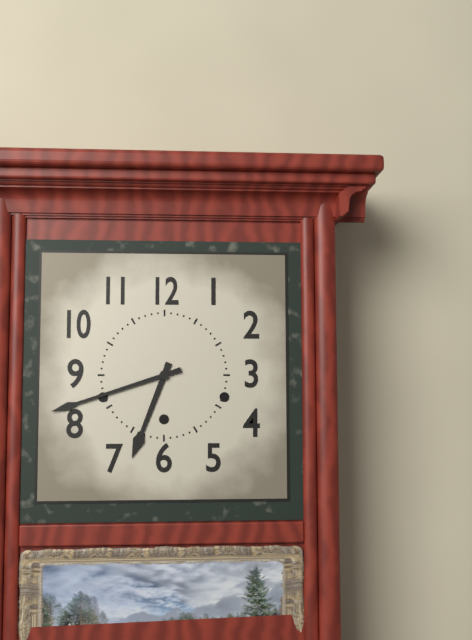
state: 6:42
